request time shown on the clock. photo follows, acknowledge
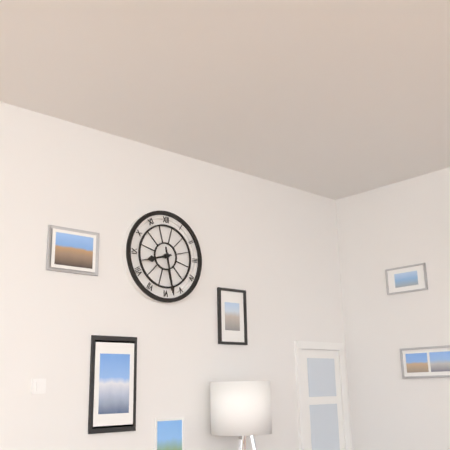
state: 8:28
